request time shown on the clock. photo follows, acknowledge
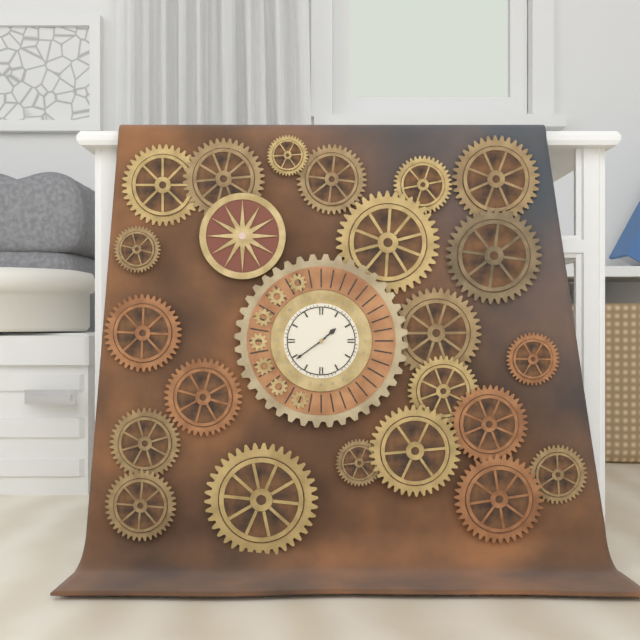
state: 1:39
